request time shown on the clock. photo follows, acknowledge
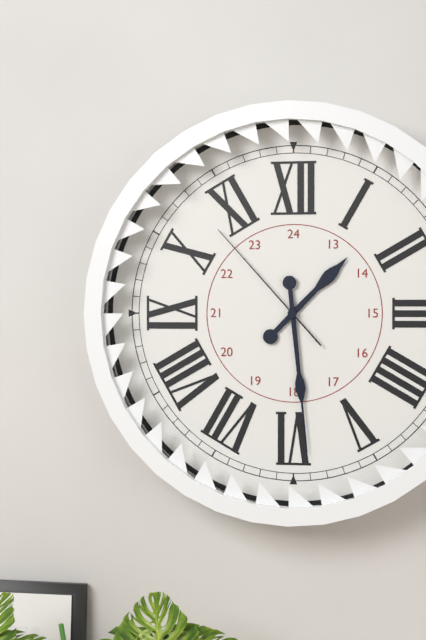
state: 1:29:53
